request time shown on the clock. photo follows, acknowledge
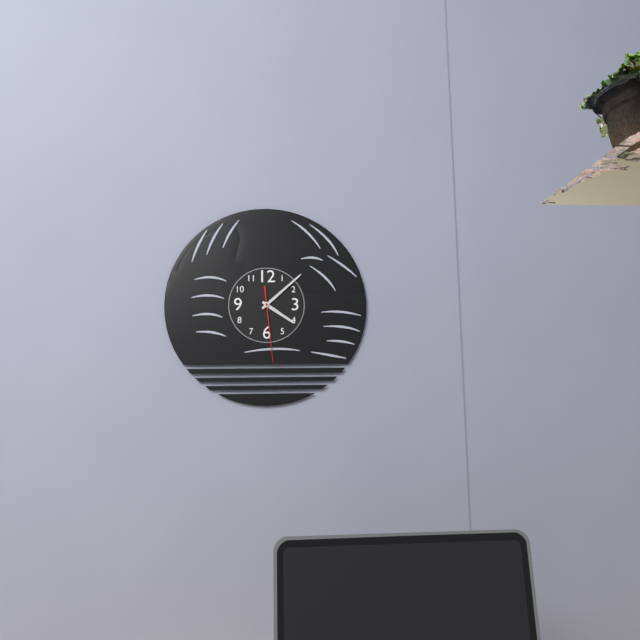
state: 4:08:29
